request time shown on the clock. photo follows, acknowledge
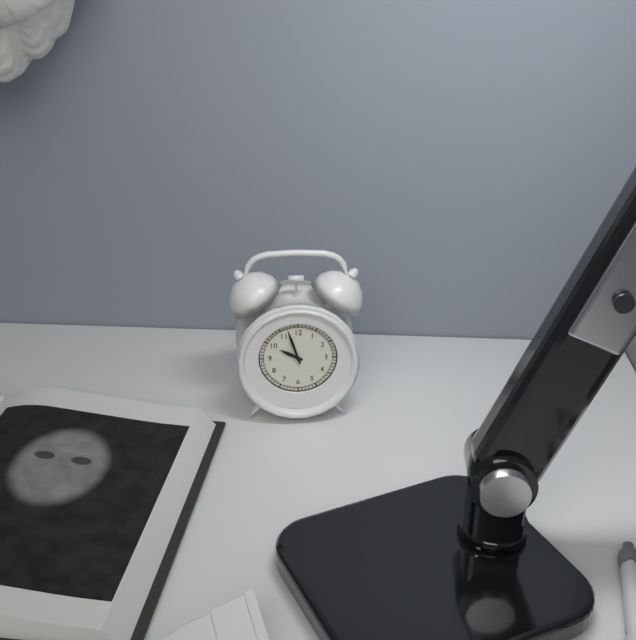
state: 9:57
